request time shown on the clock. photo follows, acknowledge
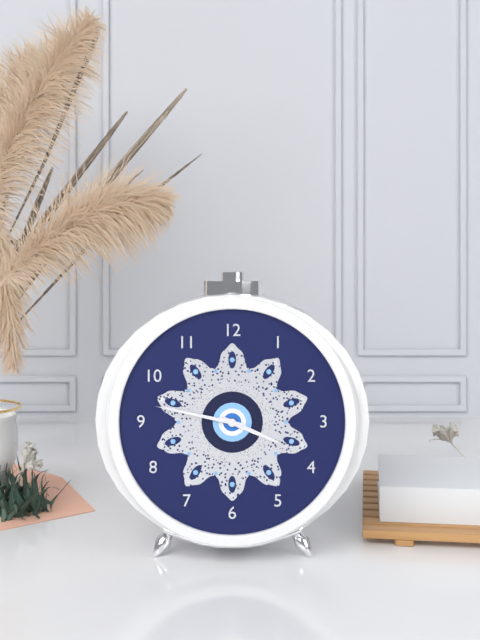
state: 3:47
